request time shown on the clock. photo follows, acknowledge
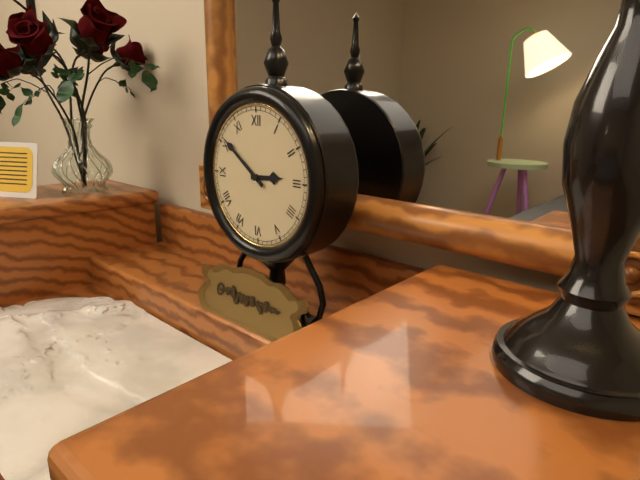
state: 2:51
